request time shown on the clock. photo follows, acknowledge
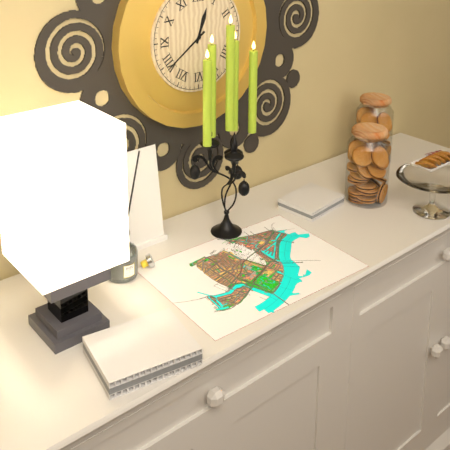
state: 12:39
